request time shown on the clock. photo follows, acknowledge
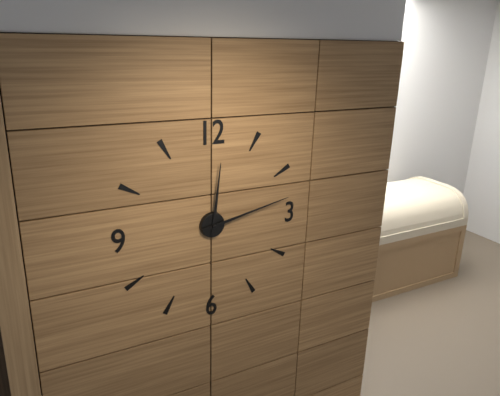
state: 12:13
